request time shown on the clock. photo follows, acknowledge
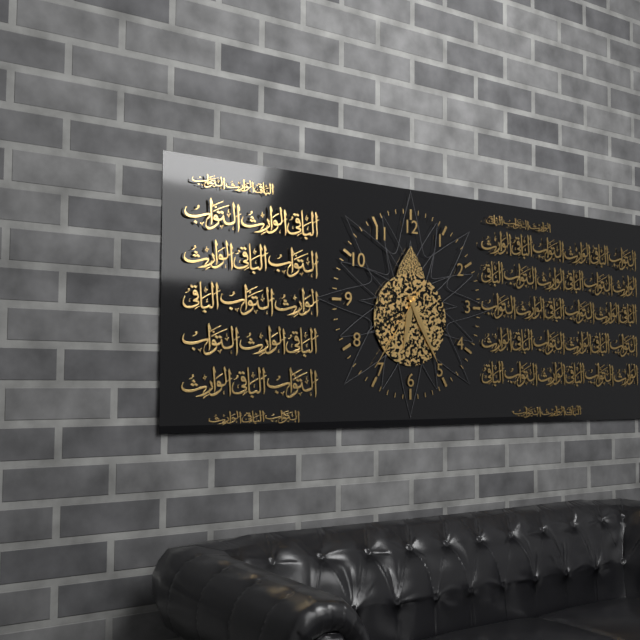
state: 6:25:36
